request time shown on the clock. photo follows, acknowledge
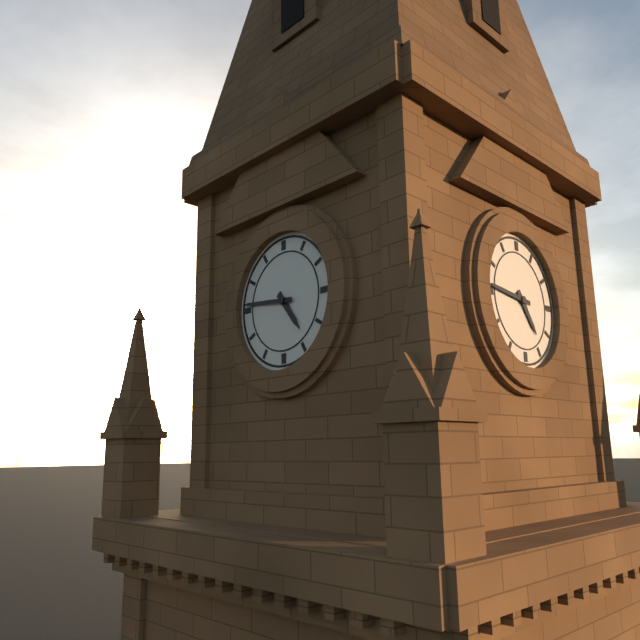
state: 4:46
